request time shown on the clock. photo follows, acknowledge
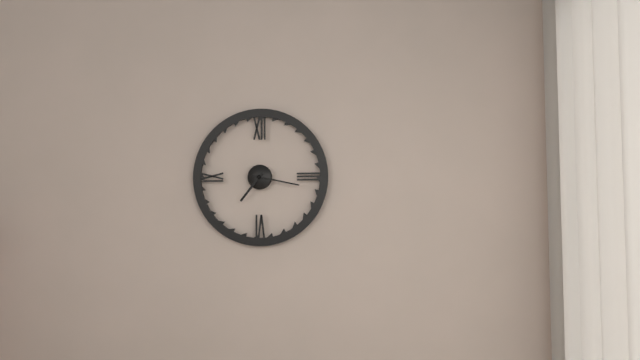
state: 7:17
